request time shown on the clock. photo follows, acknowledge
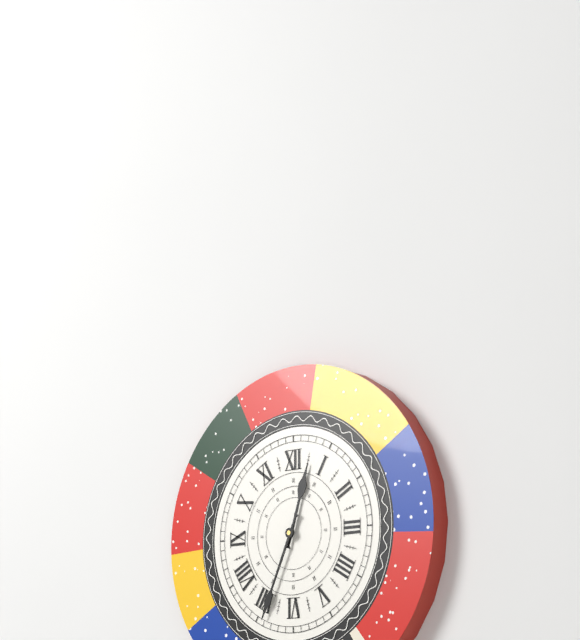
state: 12:34
